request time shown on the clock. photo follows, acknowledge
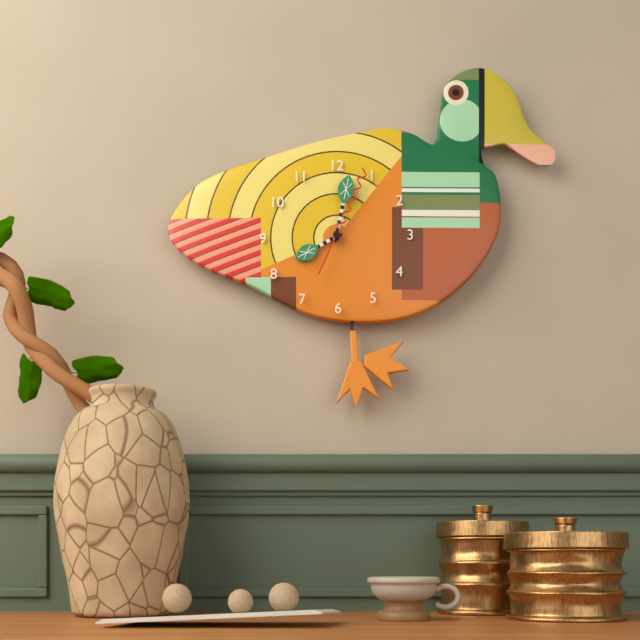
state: 8:02:04
